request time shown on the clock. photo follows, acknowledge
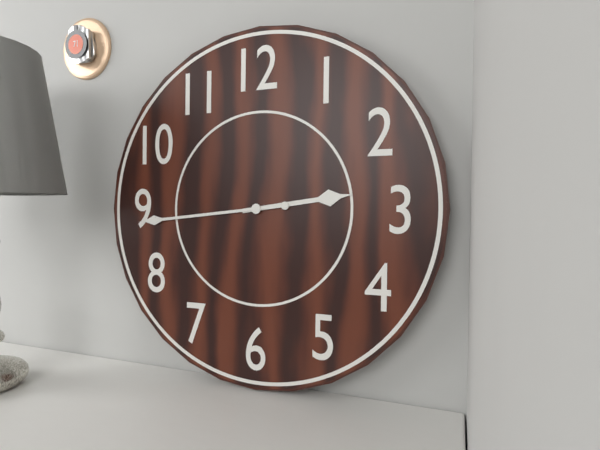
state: 2:44
